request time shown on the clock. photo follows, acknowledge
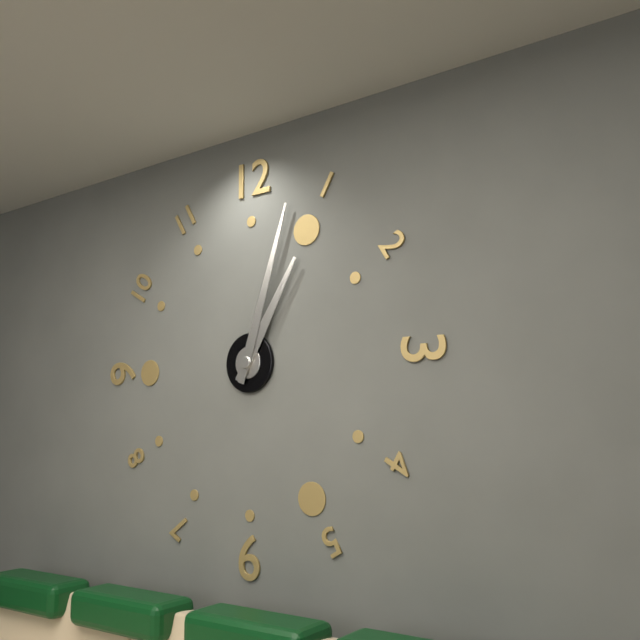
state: 1:03
